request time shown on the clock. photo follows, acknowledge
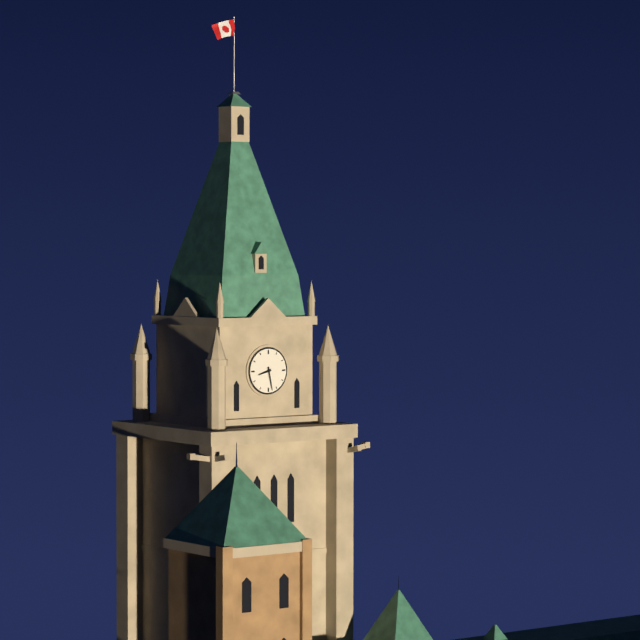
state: 8:28
